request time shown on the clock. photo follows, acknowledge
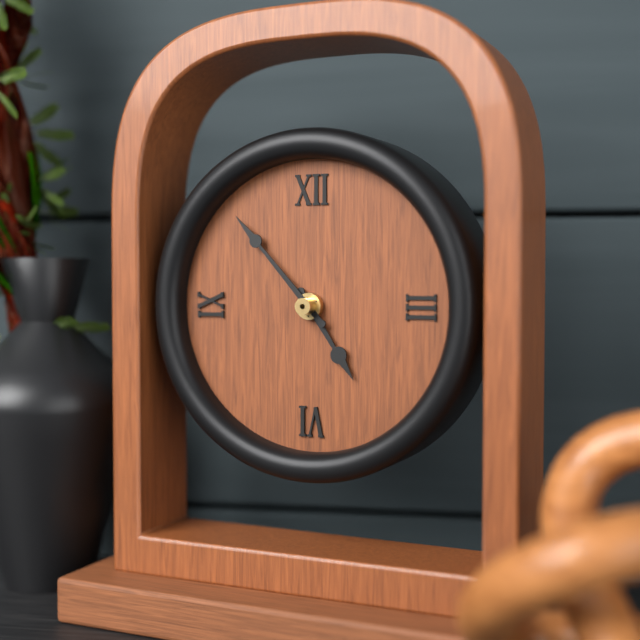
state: 4:53
